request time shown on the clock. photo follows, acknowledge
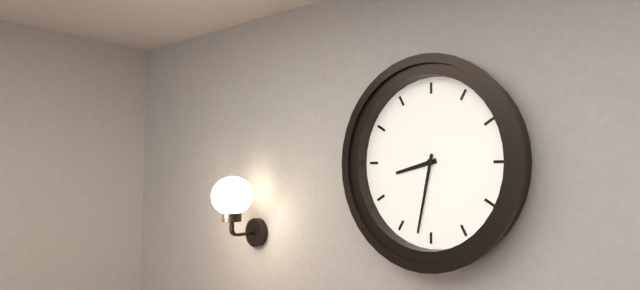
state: 8:32
